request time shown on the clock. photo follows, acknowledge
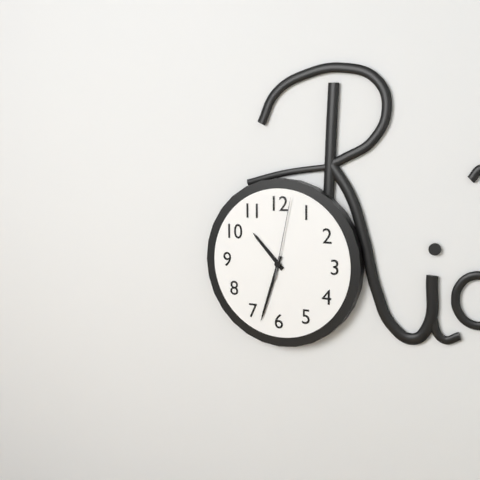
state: 10:33:02
